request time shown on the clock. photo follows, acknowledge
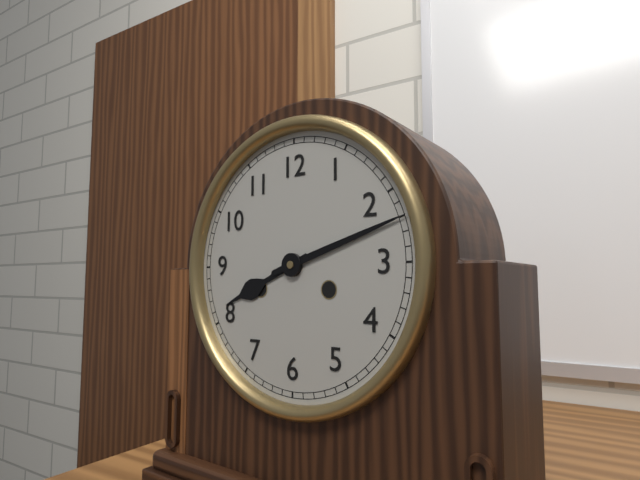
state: 8:12
